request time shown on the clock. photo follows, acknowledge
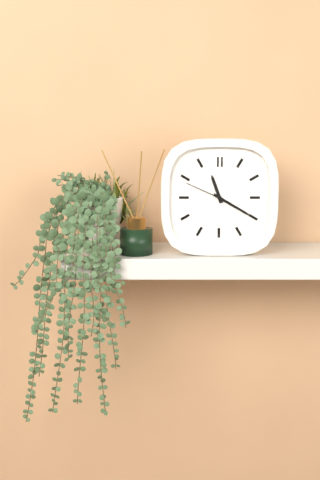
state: 11:20
